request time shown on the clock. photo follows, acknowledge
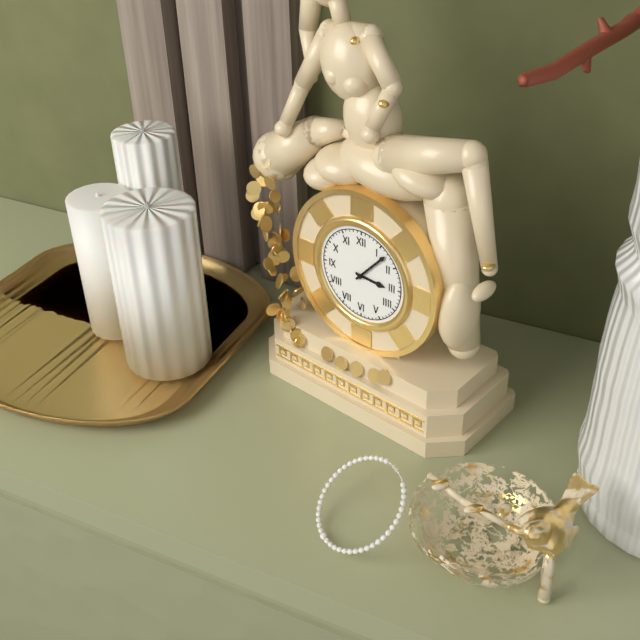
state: 3:07
